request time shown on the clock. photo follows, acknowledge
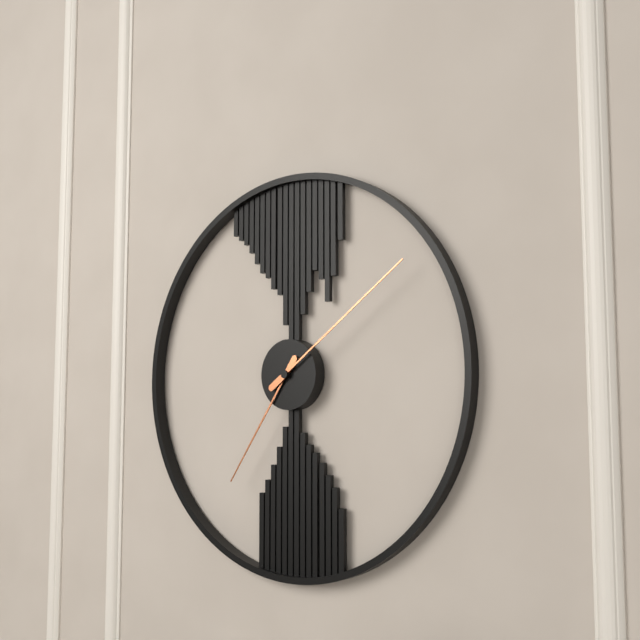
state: 7:09
